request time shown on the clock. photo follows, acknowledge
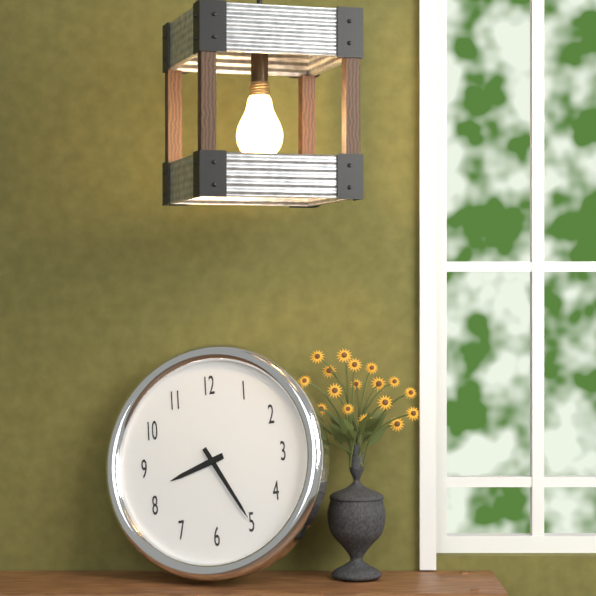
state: 8:25
